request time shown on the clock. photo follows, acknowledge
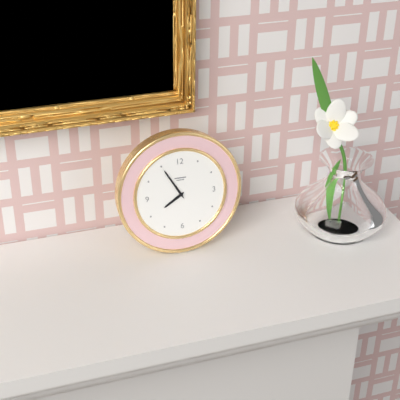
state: 7:55
